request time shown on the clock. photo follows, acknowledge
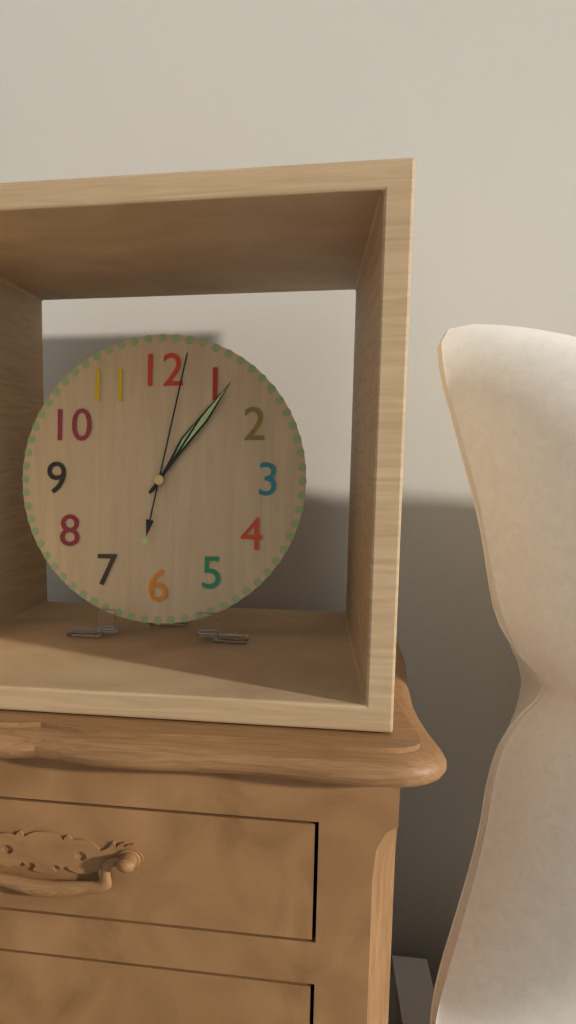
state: 1:06:02
